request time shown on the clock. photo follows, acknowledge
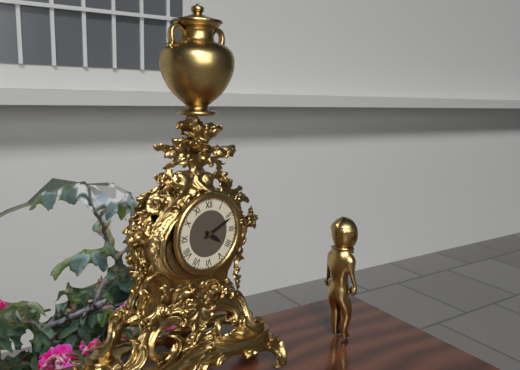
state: 4:11
